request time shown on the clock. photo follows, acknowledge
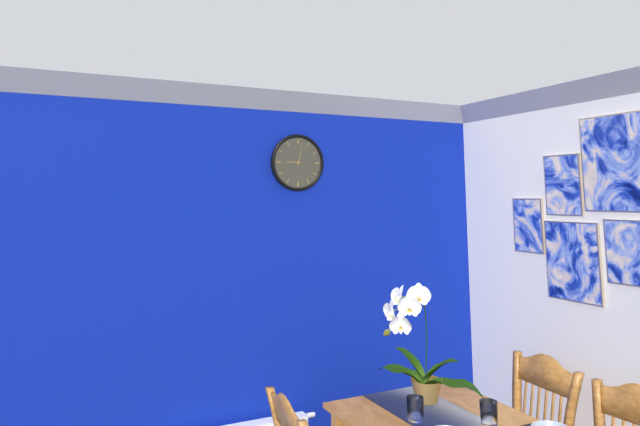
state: 9:02
